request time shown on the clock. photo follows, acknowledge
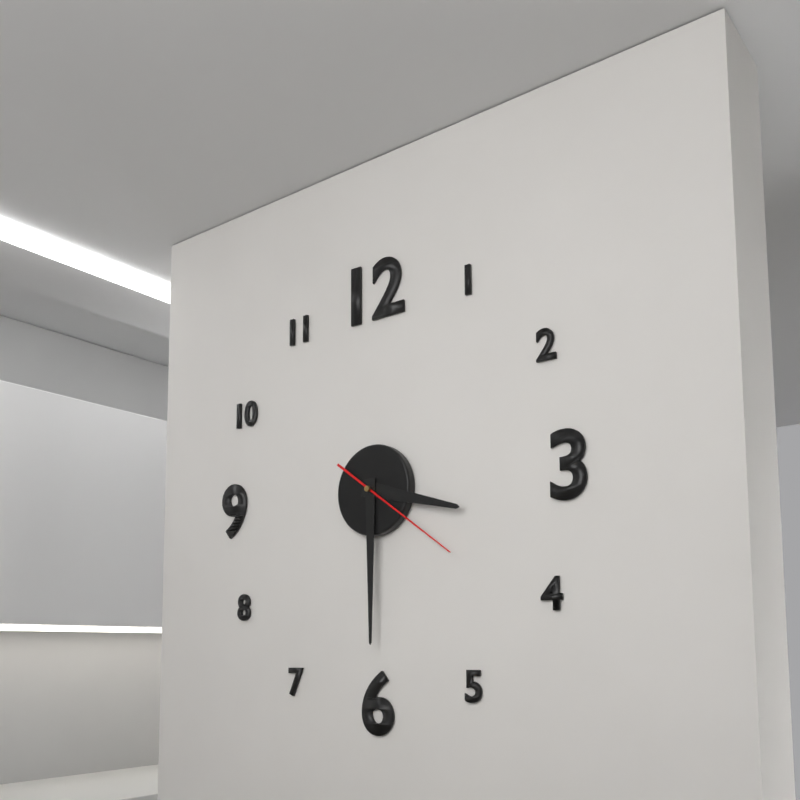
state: 3:30:21
